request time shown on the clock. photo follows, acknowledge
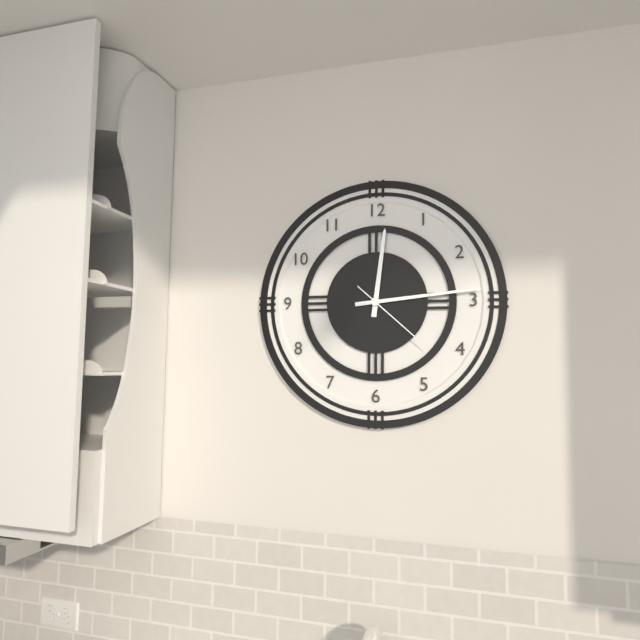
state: 12:14:22
